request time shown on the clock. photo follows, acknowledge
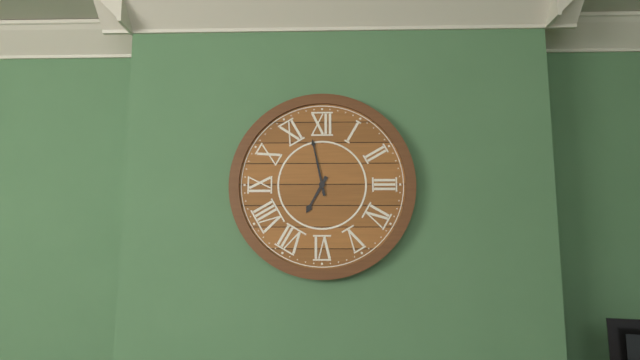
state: 6:58
